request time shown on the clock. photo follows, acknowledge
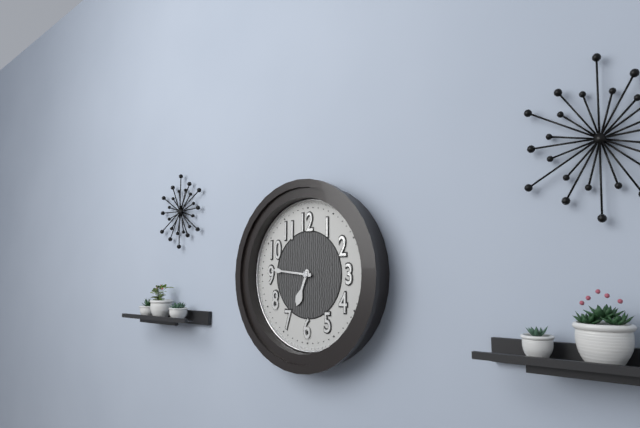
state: 6:46
